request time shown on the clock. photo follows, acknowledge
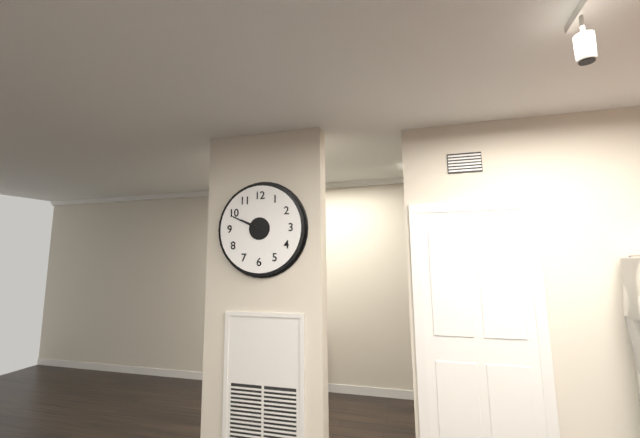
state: 9:49
